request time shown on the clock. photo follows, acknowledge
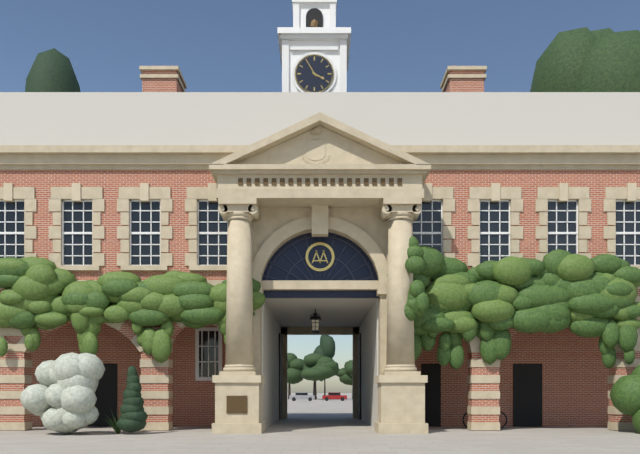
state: 3:55
